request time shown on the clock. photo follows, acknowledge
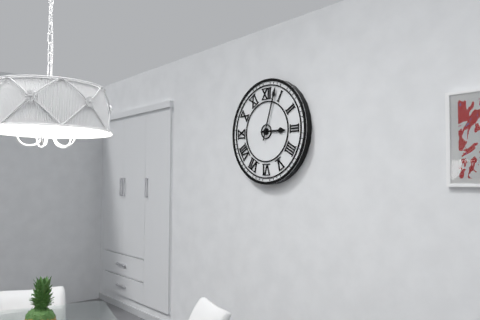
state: 3:03
